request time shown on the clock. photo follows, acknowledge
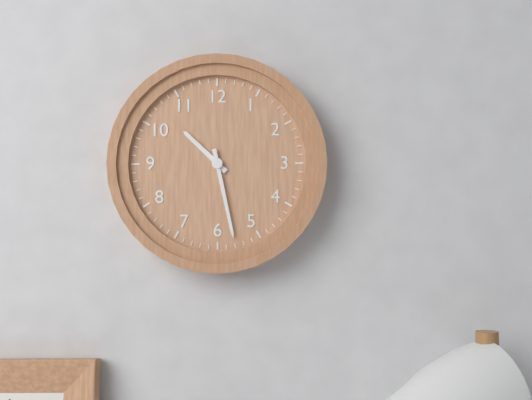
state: 10:28
